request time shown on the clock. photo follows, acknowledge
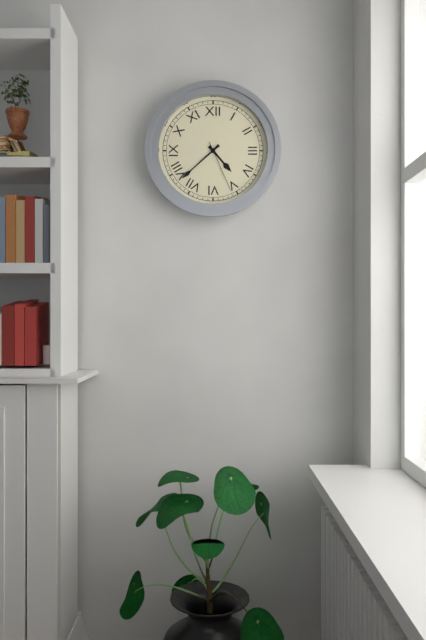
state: 4:38:26
